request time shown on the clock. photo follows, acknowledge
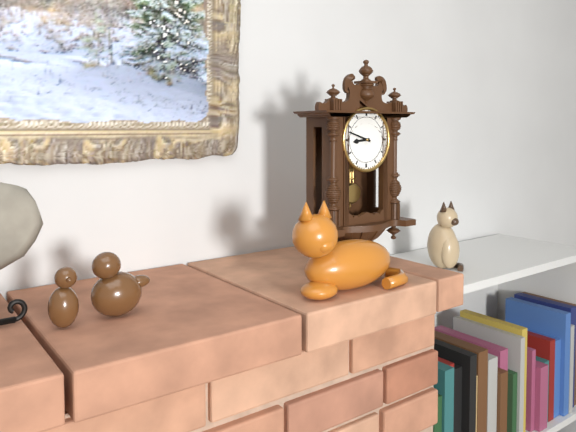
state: 8:48
